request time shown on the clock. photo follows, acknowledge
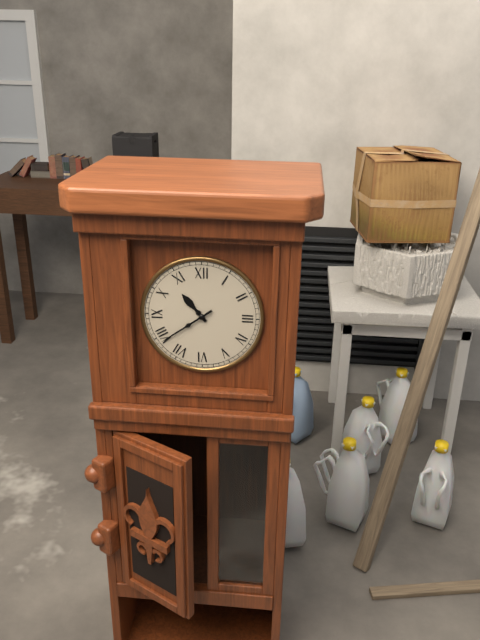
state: 10:39
